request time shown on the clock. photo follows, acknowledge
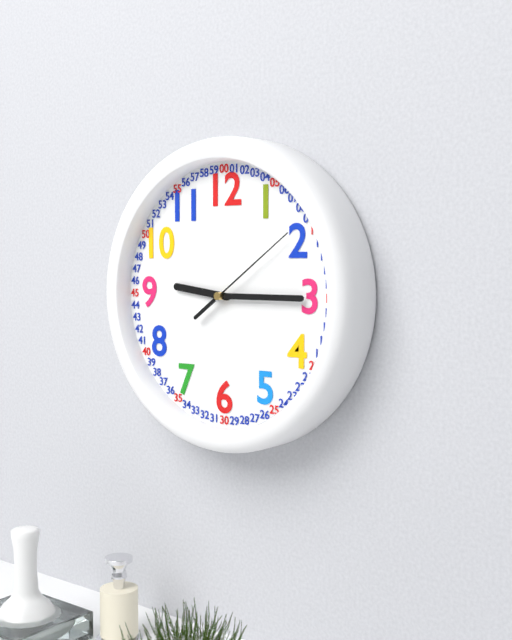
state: 9:15:09
